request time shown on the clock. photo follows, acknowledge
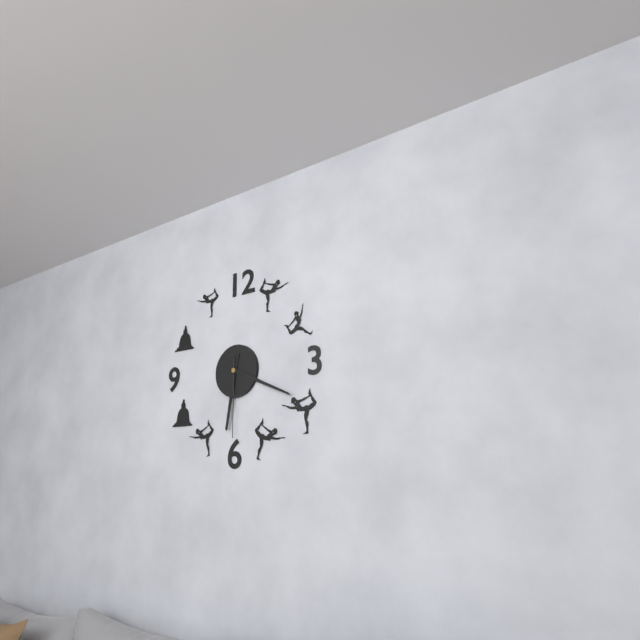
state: 6:19:30
